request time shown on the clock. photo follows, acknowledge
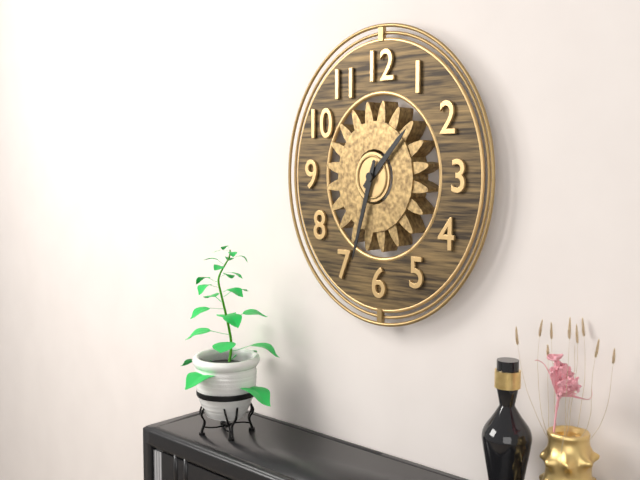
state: 1:33
